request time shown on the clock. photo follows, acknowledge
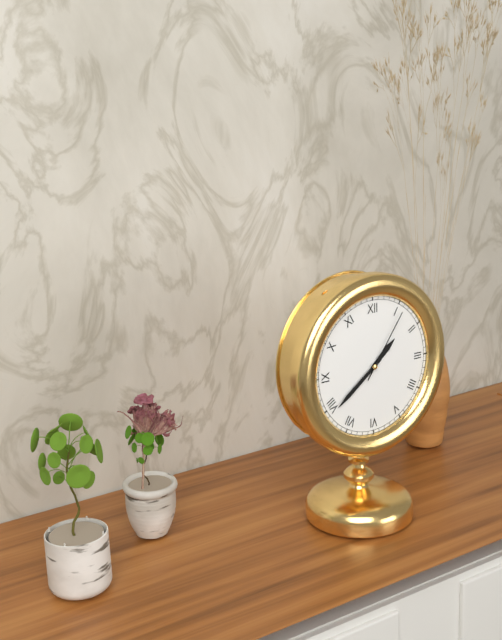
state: 1:39:06
